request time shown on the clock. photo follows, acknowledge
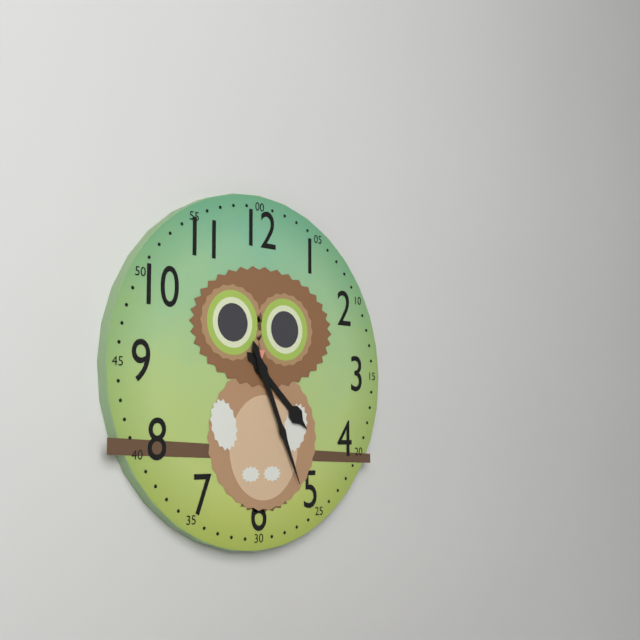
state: 4:26
